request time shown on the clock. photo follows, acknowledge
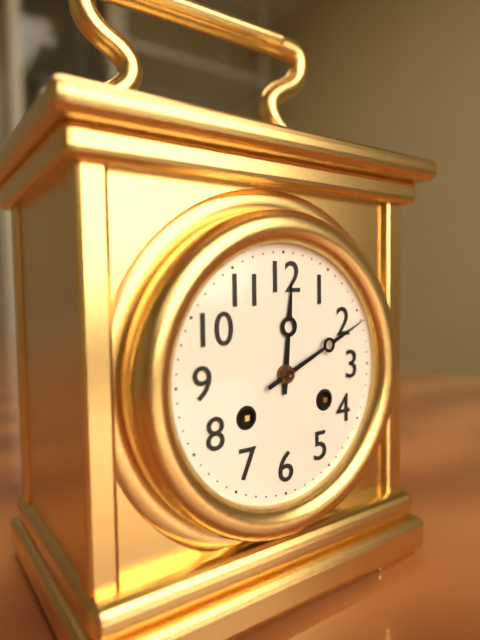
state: 12:11
